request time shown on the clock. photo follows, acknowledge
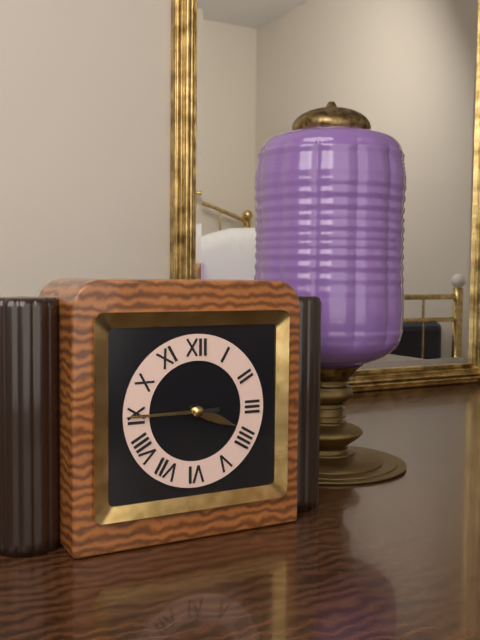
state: 3:45
